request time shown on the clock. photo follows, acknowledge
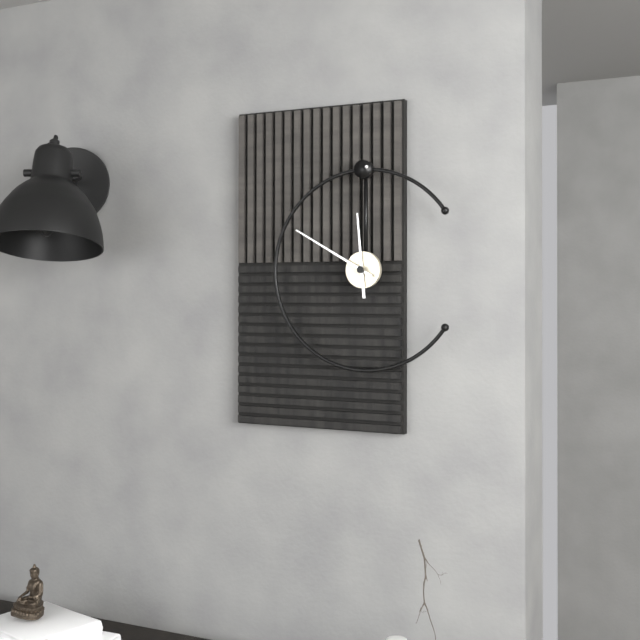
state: 11:50
